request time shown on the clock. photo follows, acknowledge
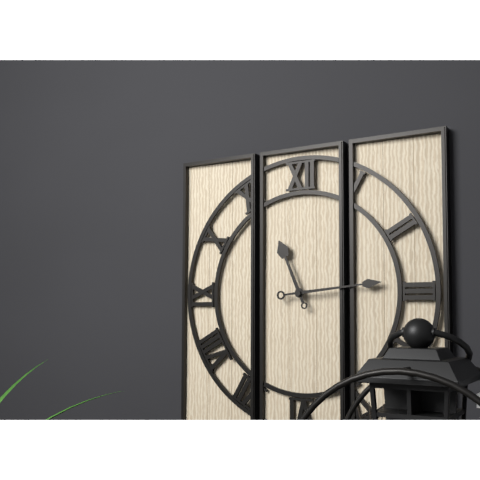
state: 11:14
